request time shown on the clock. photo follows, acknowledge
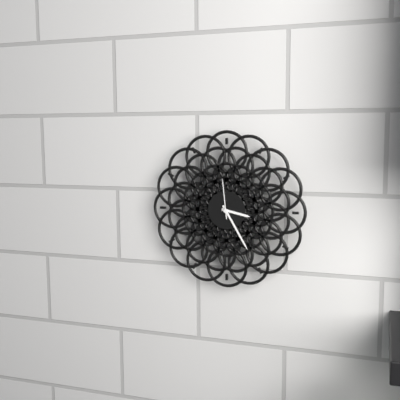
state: 3:25
